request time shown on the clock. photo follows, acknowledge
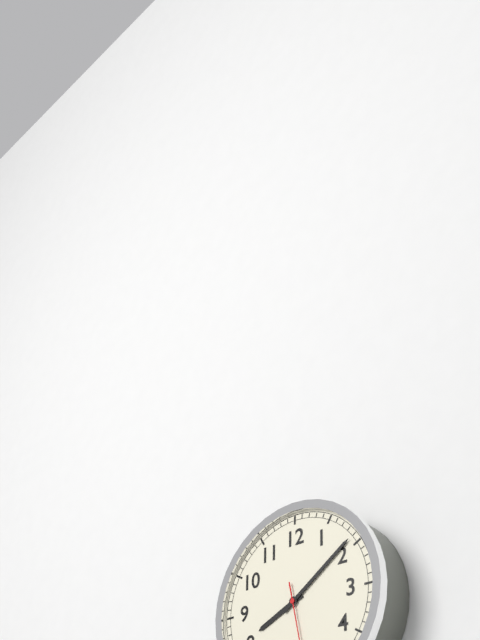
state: 8:09
